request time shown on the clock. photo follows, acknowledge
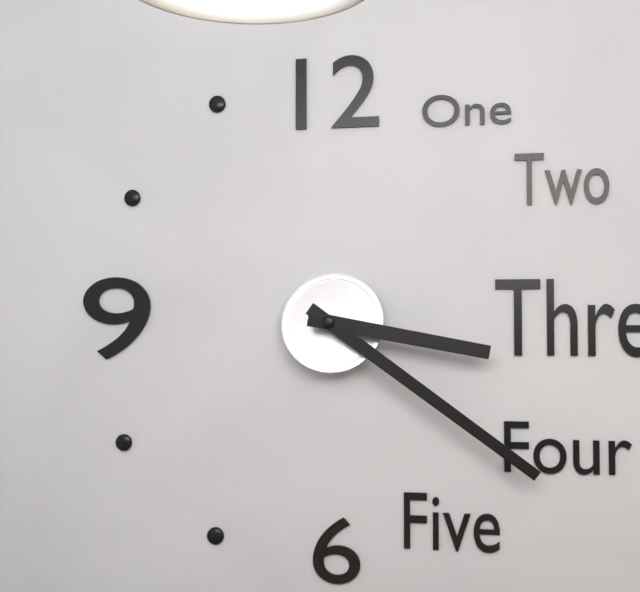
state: 3:21
